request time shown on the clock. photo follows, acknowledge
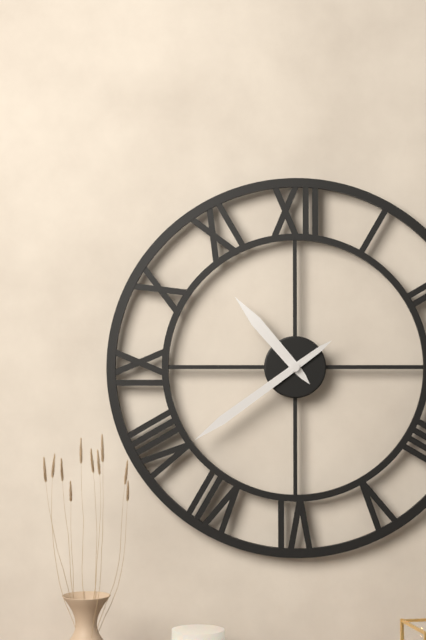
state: 10:39
